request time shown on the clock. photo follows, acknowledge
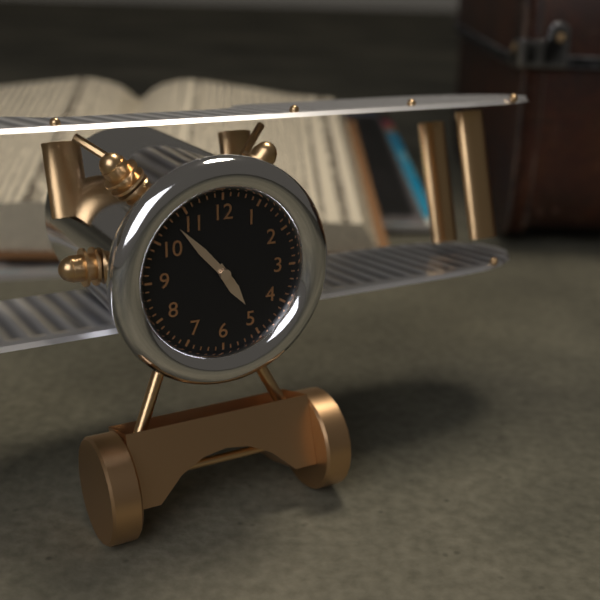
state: 4:53
